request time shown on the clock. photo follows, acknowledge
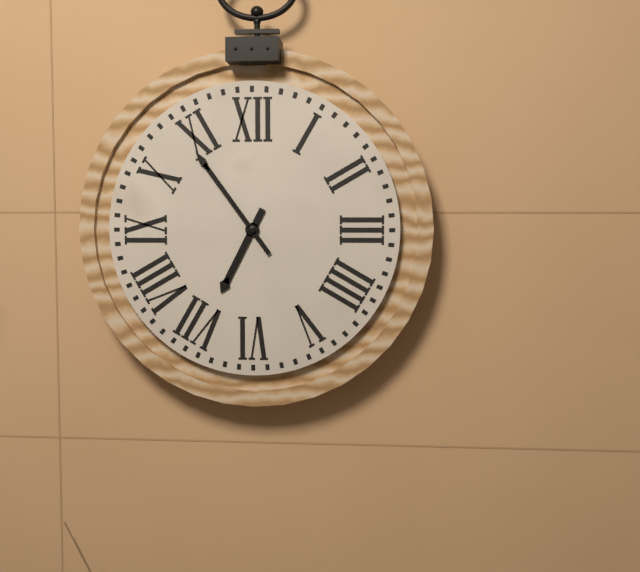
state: 6:54
